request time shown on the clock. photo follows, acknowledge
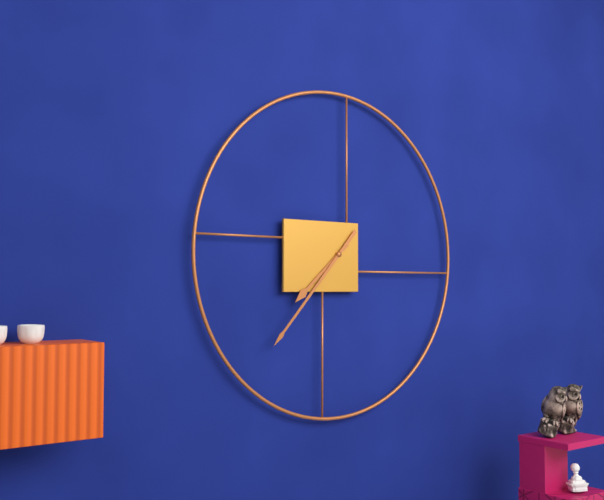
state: 7:37
